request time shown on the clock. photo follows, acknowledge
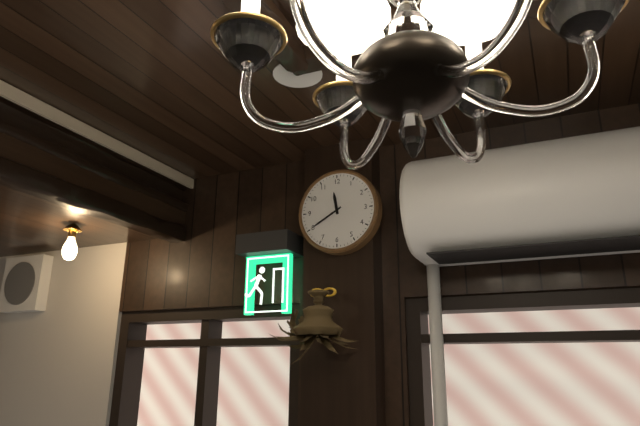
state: 11:40
